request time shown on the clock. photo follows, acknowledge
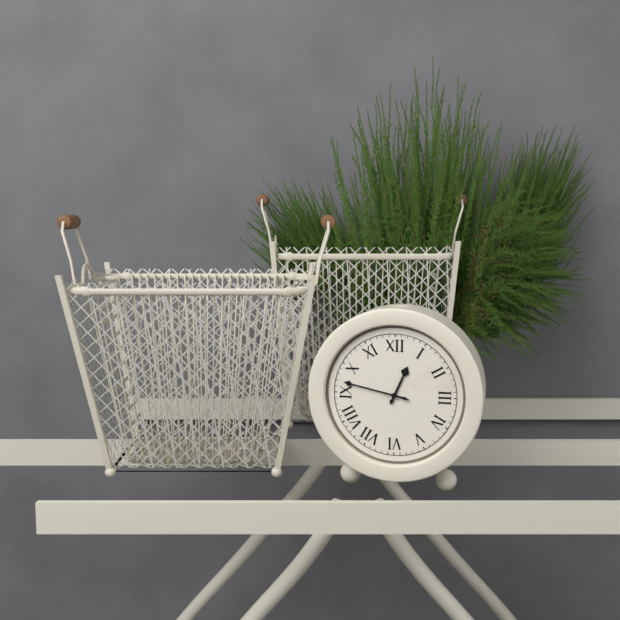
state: 12:47
